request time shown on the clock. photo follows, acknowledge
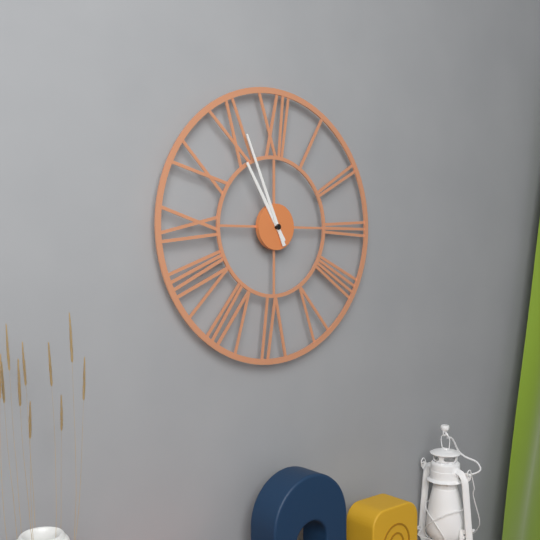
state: 10:56
